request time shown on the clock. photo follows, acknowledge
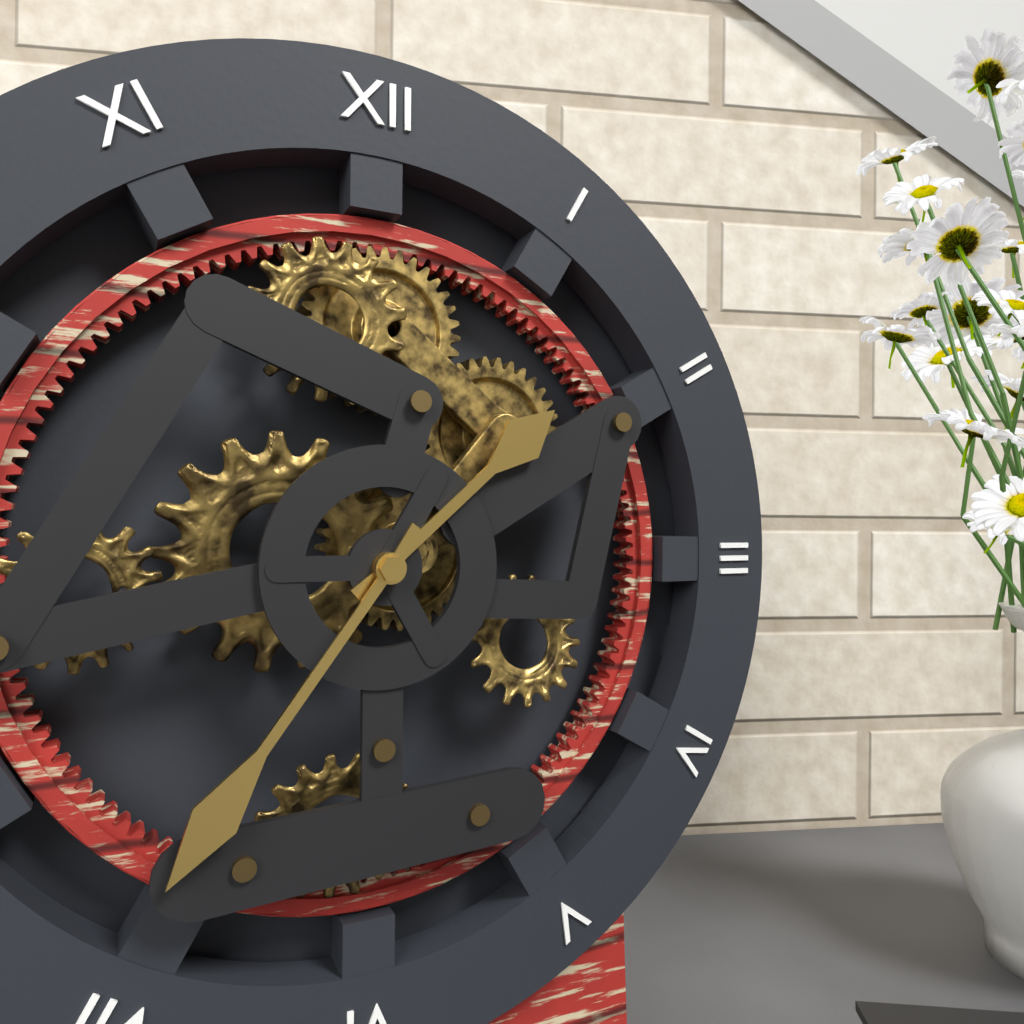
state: 1:36
